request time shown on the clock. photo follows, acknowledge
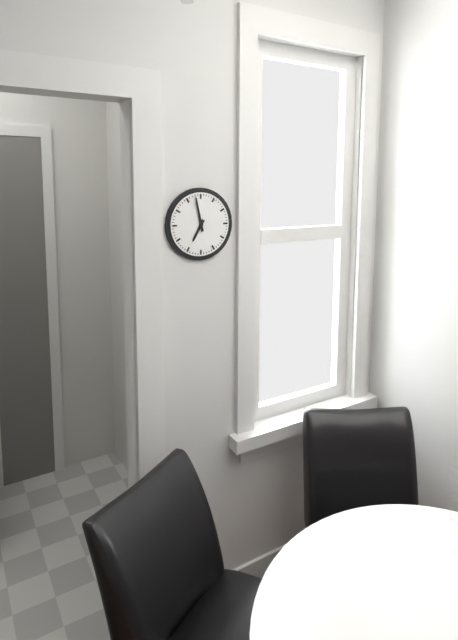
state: 6:58
